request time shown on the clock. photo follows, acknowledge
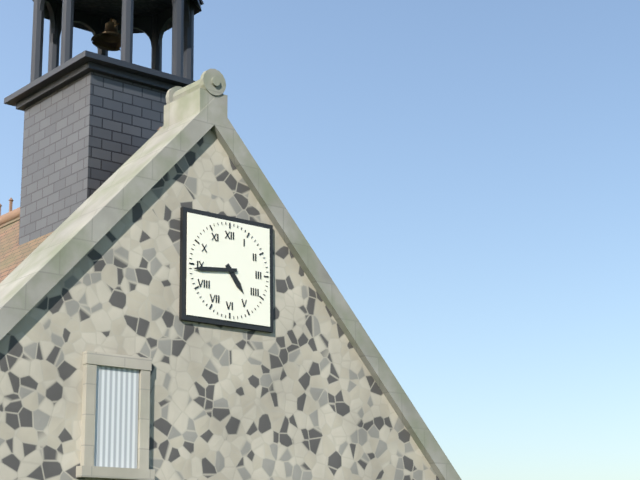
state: 4:44
